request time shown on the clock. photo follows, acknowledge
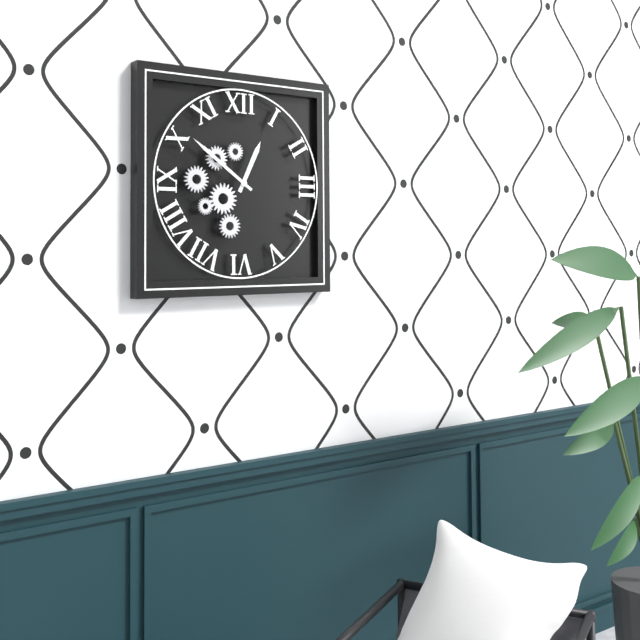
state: 12:51
